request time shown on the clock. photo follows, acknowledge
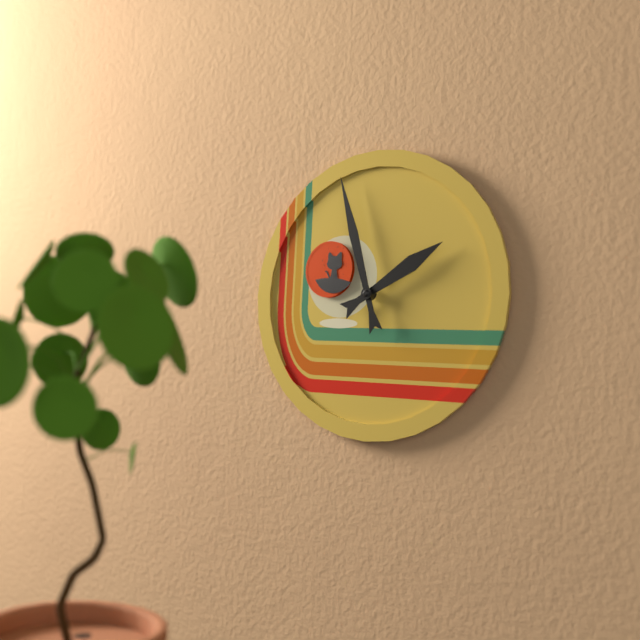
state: 1:57
